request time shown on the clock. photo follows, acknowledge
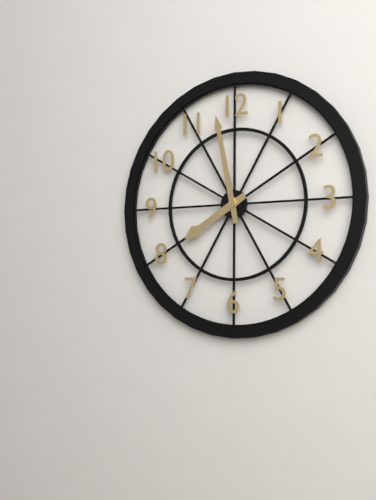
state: 7:58
